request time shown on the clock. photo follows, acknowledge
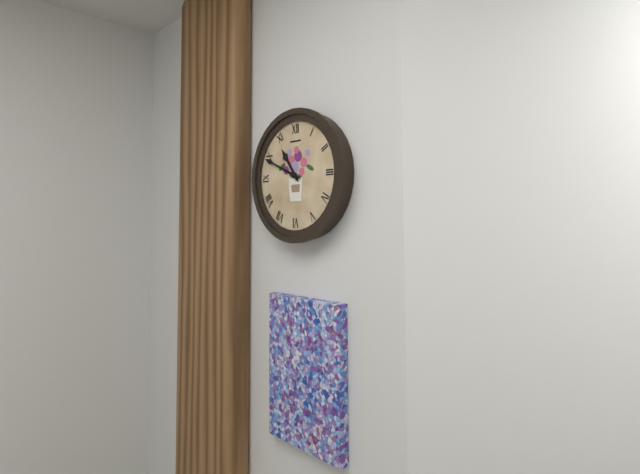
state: 10:49
